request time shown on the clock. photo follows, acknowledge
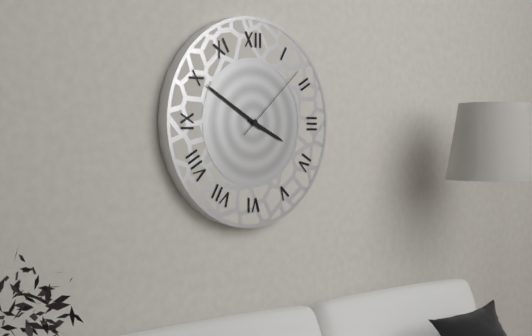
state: 3:50:08
